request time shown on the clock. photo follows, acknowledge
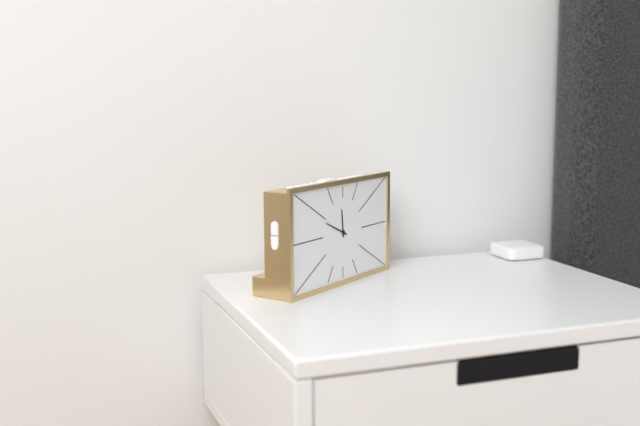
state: 11:49
